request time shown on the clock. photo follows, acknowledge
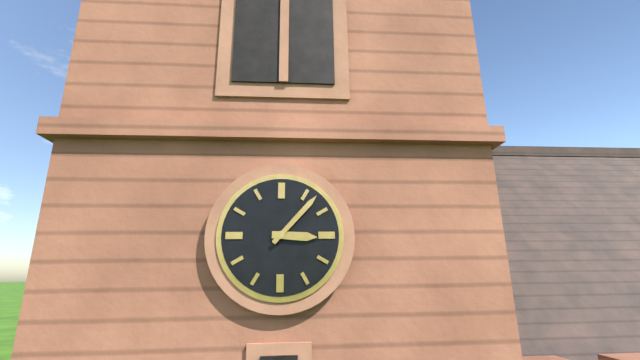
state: 3:07
